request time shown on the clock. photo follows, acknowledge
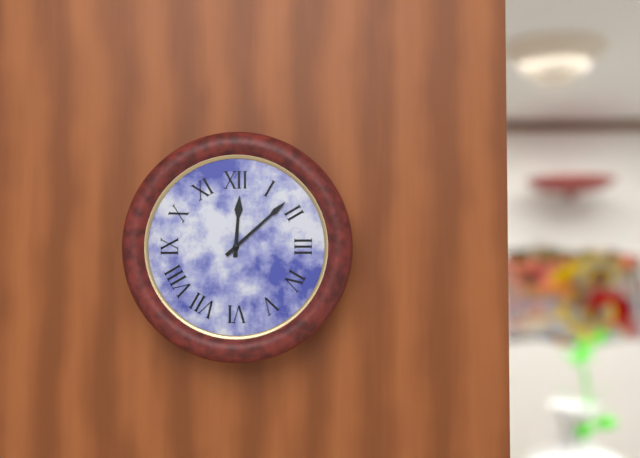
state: 12:08
